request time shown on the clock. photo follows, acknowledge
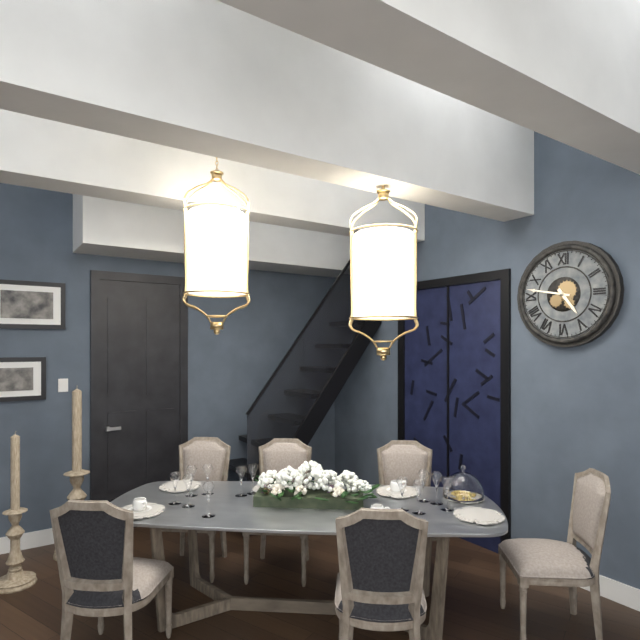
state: 4:47
